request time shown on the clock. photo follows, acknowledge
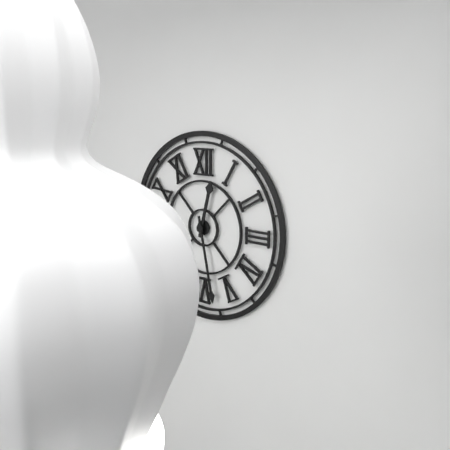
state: 12:28
